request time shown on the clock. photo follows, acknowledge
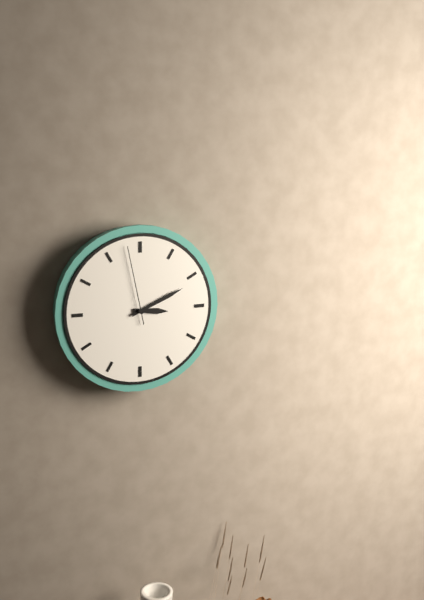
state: 3:11:58
